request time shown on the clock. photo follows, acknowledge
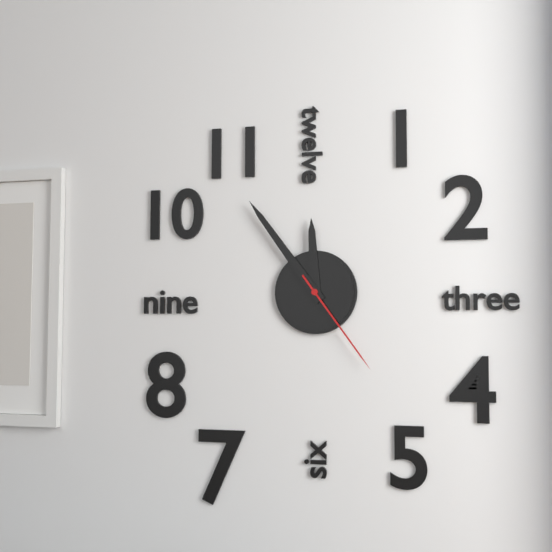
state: 11:54:24
